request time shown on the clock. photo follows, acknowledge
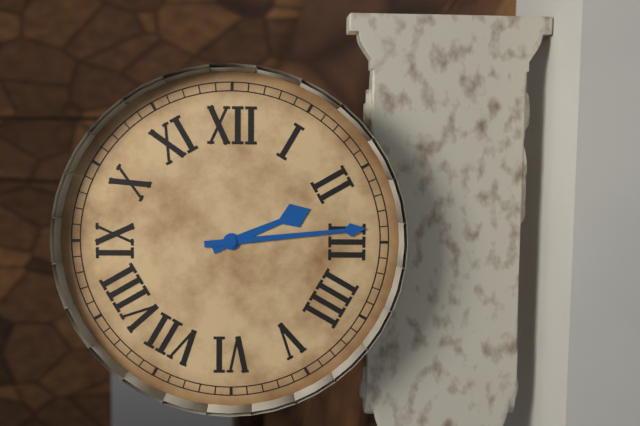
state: 2:14
